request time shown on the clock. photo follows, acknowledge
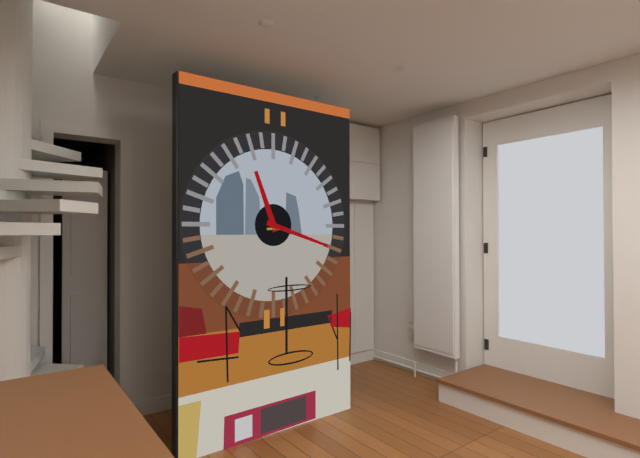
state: 11:18
